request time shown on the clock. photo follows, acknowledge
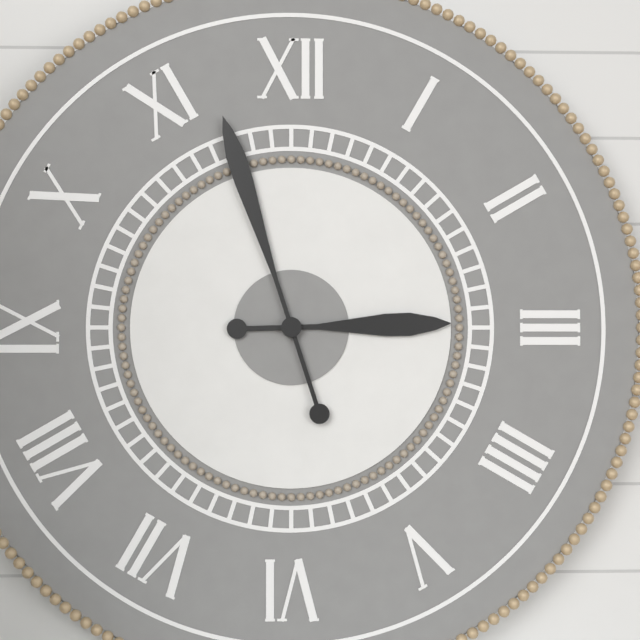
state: 2:57
